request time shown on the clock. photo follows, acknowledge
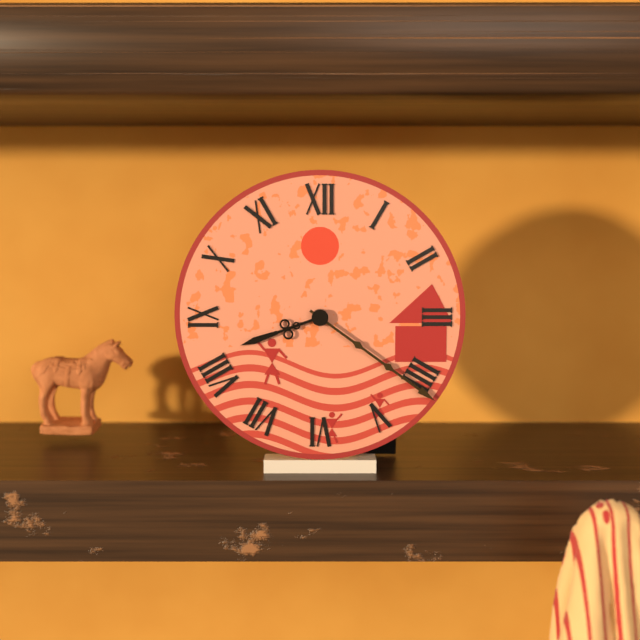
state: 8:21
